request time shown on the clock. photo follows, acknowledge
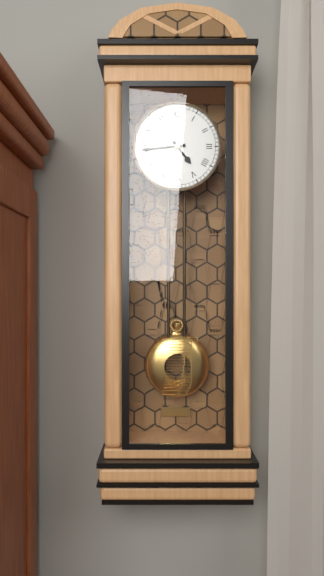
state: 4:44
